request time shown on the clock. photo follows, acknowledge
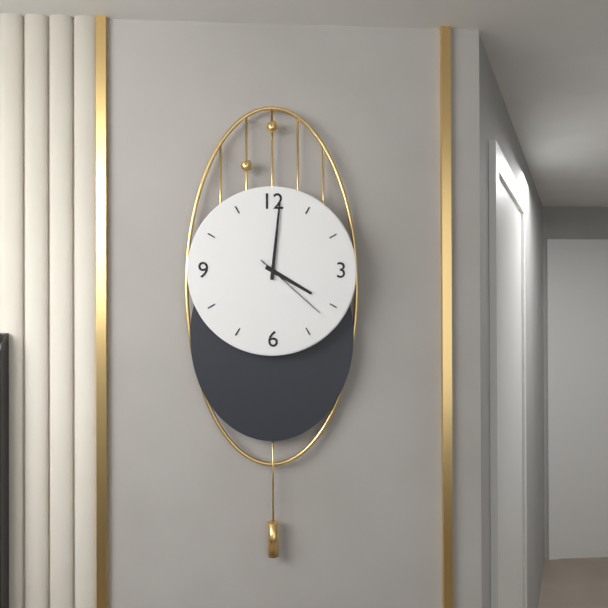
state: 4:01:22
